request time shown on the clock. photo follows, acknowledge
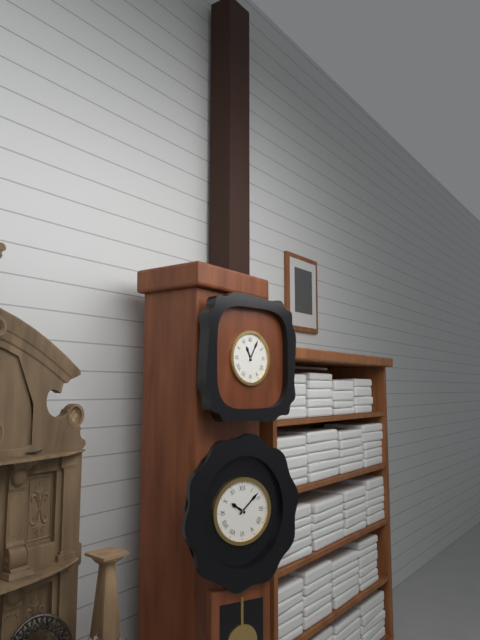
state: 11:05
